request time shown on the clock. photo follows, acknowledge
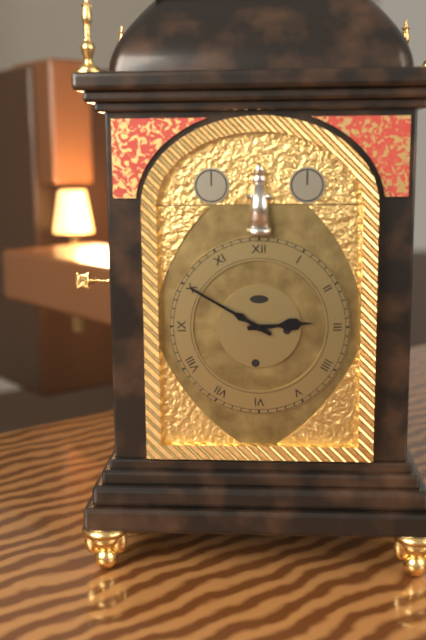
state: 2:50
